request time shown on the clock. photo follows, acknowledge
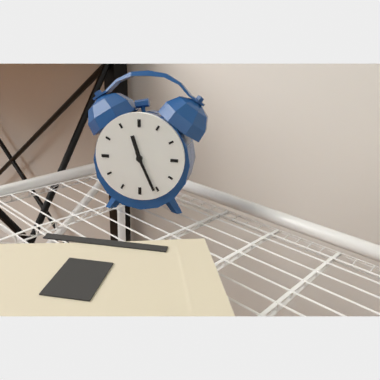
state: 11:26
